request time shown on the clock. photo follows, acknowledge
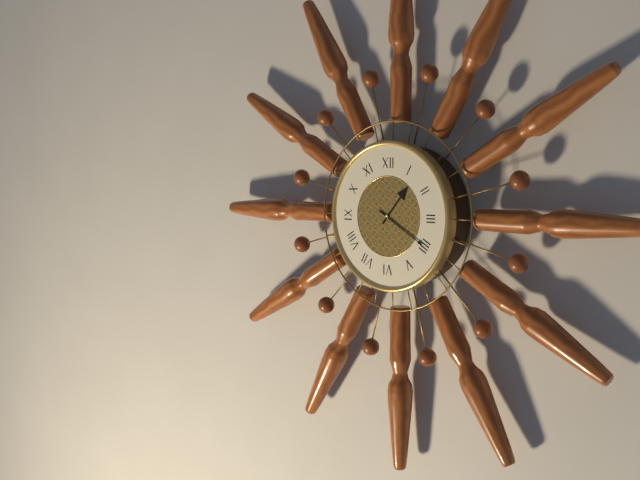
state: 1:20
